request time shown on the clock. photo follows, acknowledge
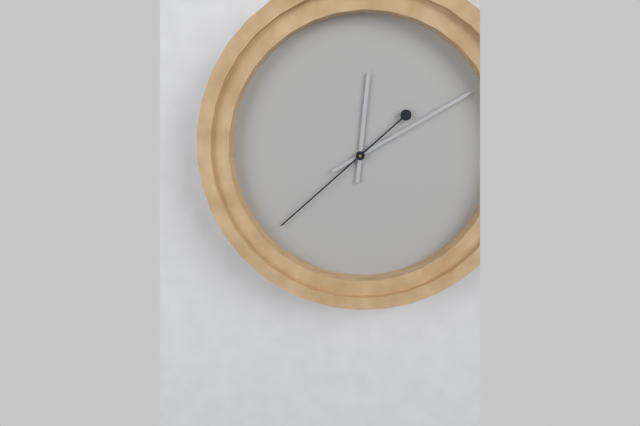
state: 12:10:38
